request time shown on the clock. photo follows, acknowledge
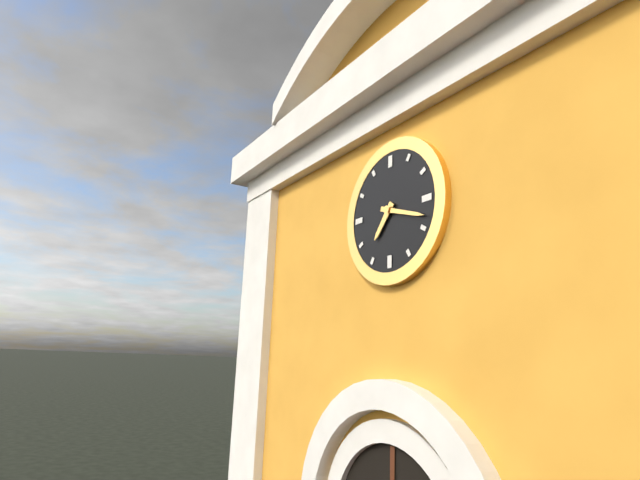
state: 7:18
